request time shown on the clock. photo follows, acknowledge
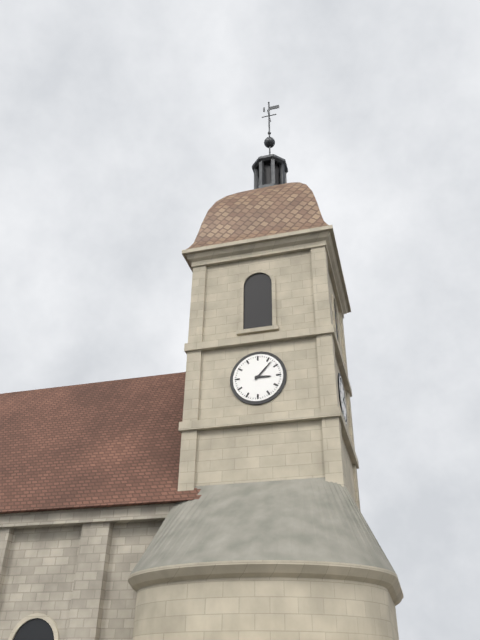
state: 3:07
